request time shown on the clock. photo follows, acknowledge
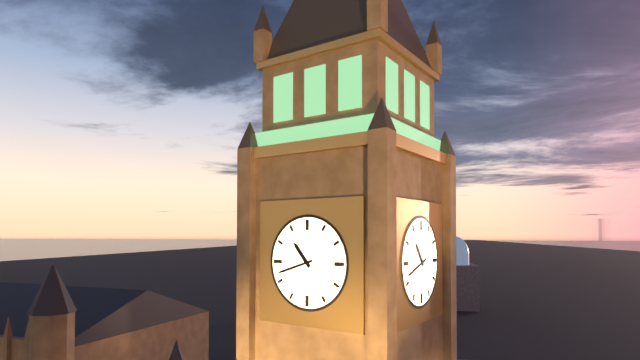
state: 10:42
